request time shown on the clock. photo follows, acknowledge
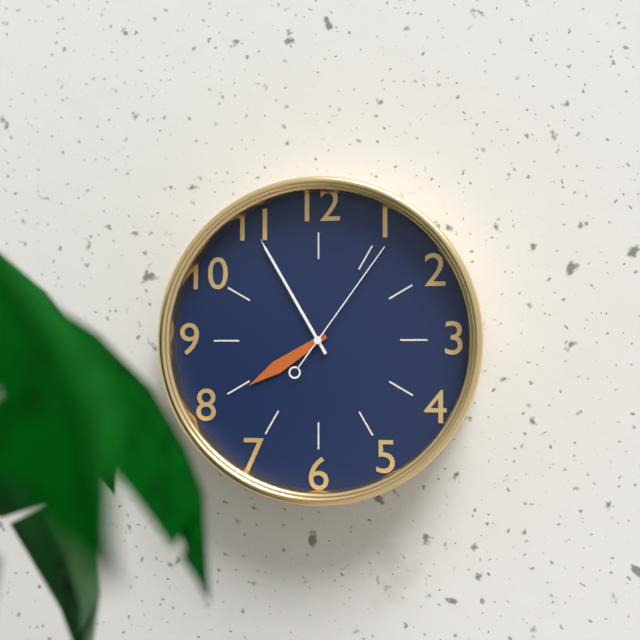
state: 7:55:06
